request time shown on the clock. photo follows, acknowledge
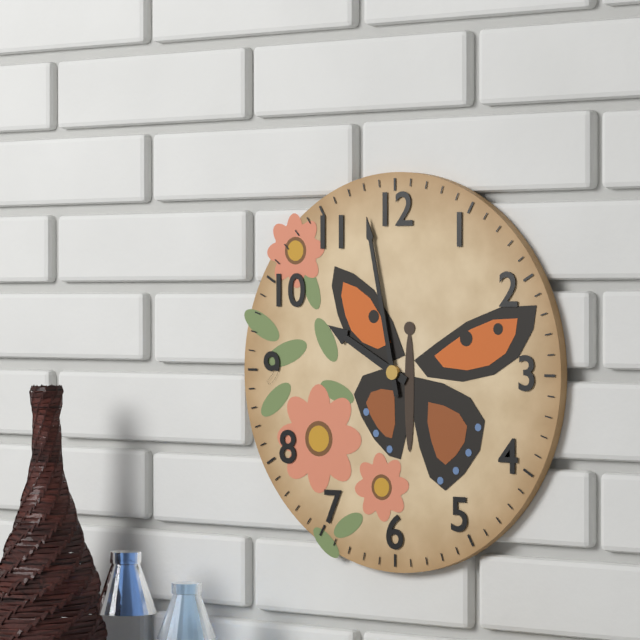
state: 9:58
